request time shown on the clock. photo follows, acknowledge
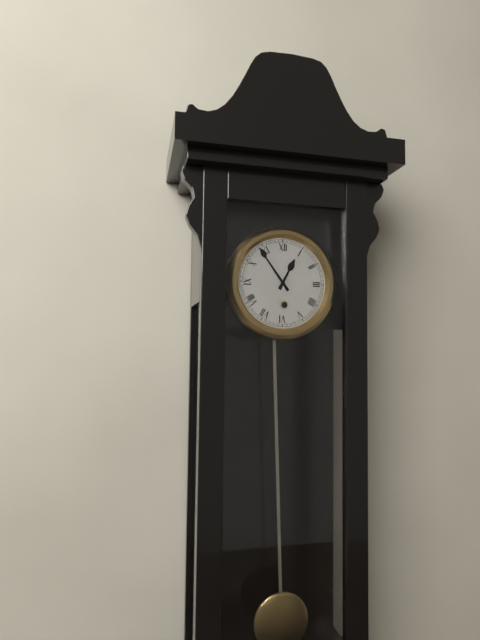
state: 12:54
